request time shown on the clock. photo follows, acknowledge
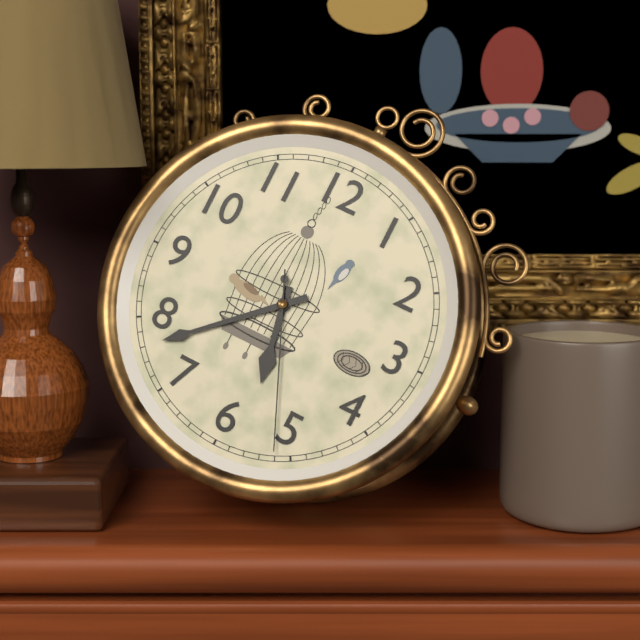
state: 5:38:26
